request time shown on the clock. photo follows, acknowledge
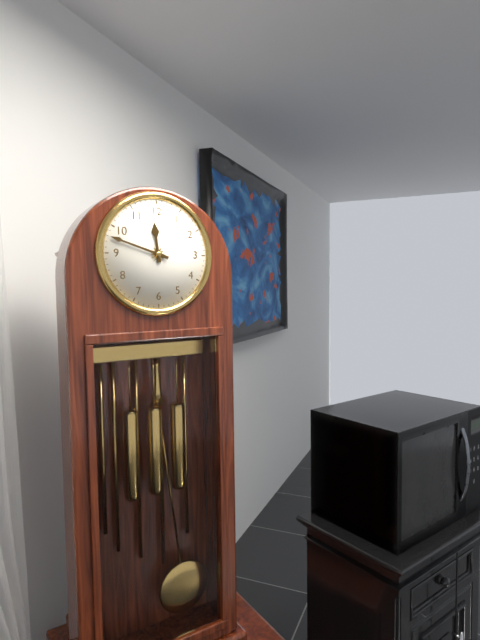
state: 11:48
